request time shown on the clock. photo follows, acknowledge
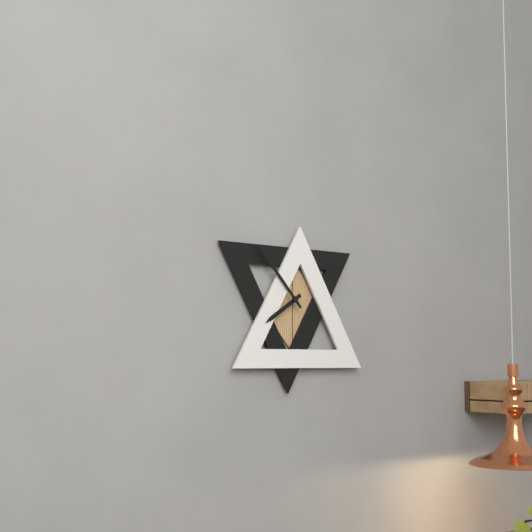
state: 7:53
